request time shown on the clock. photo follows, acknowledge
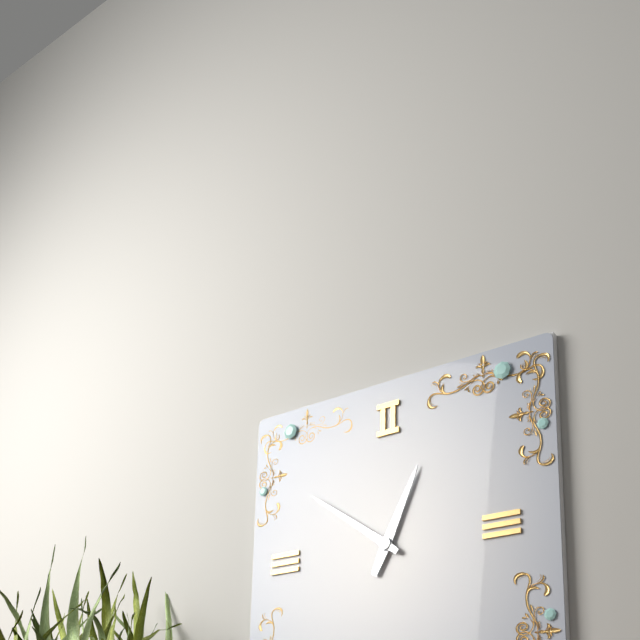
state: 12:51
